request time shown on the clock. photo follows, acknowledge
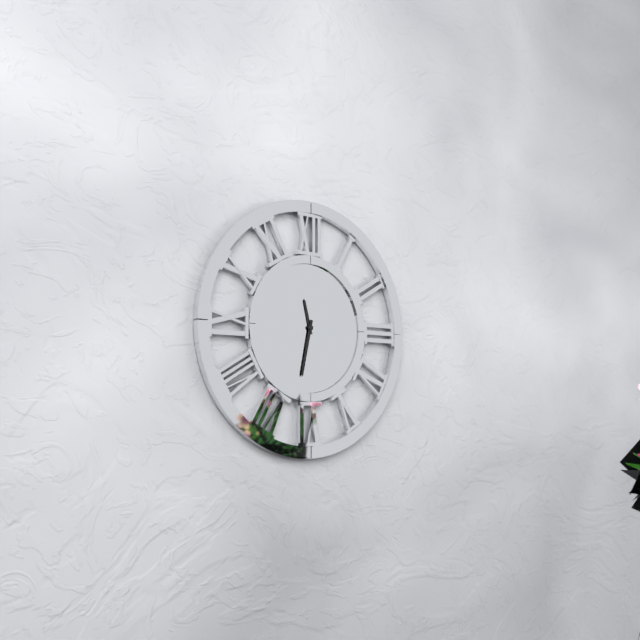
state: 11:32
